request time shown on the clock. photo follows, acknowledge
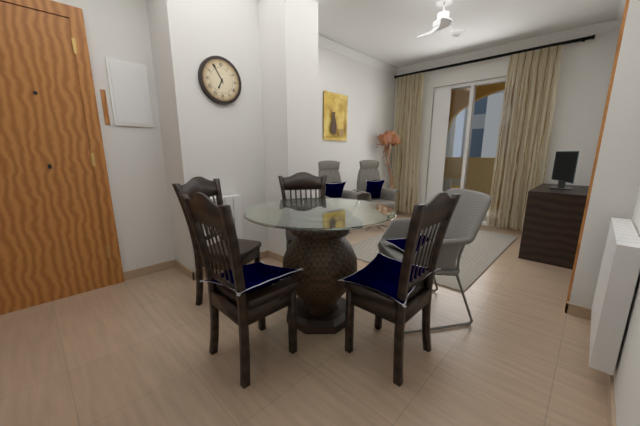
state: 6:55
